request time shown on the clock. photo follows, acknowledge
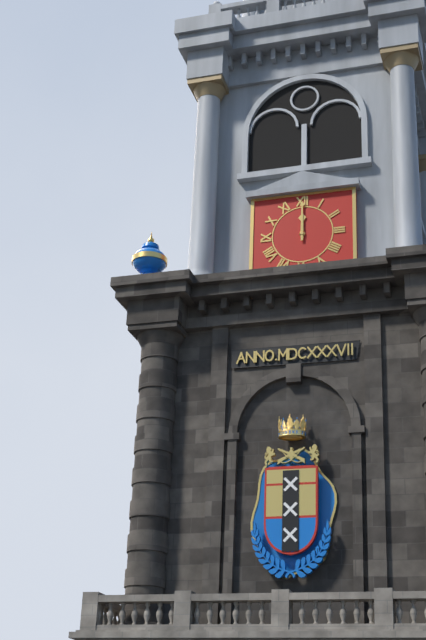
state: 12:00
